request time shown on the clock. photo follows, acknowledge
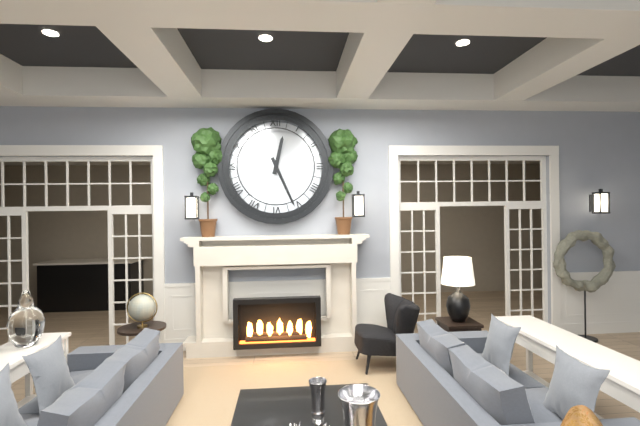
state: 12:26
